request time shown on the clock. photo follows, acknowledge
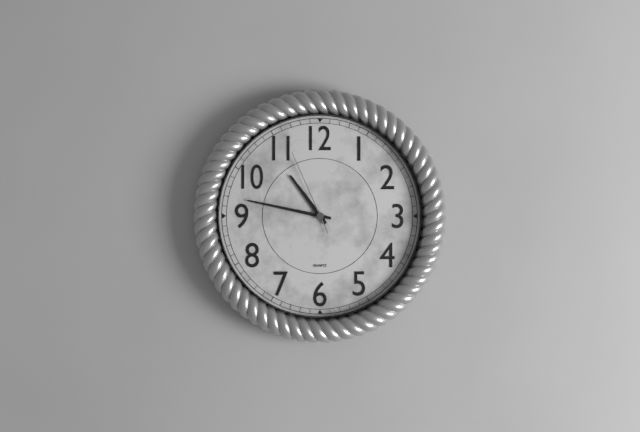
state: 10:47:56
